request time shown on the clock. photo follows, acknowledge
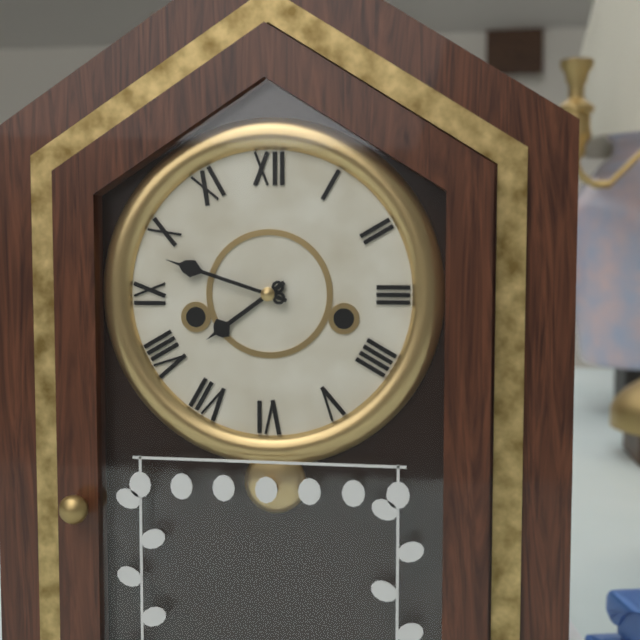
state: 7:48
